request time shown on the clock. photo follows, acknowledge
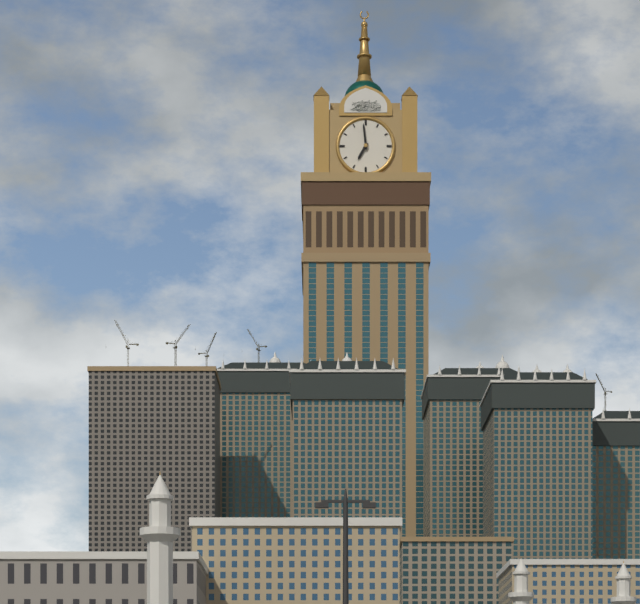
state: 6:59
